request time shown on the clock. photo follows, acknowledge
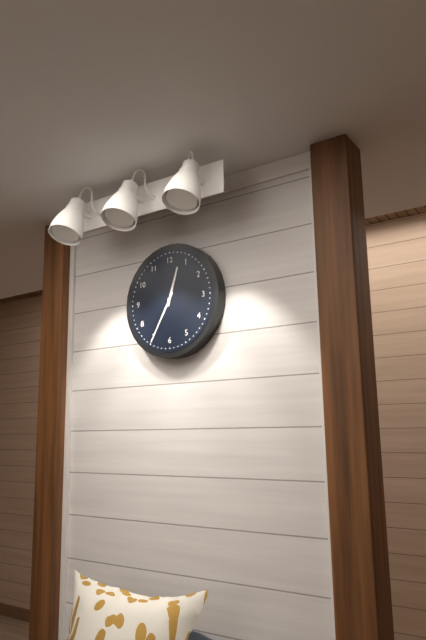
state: 12:35
